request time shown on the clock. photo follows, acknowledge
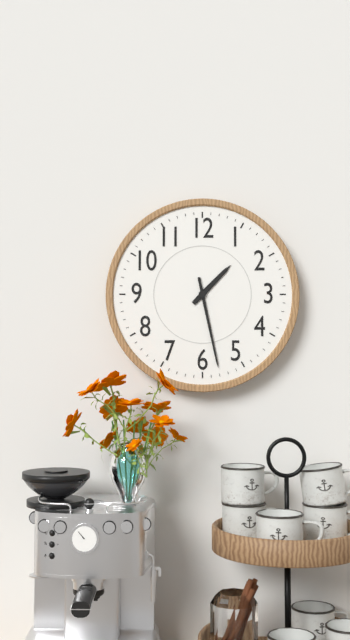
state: 1:28
